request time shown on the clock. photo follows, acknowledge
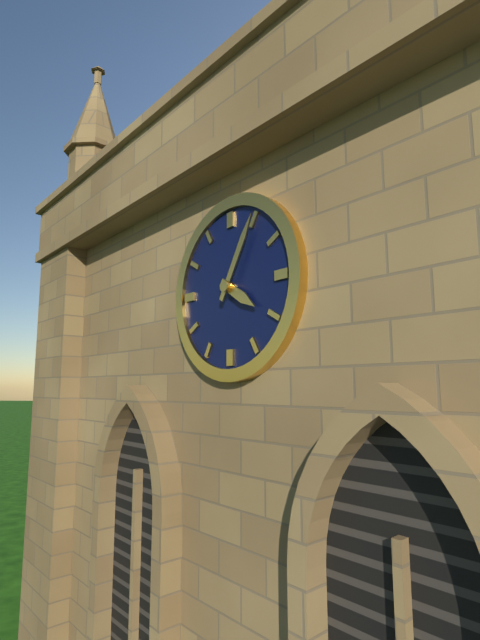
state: 4:05
